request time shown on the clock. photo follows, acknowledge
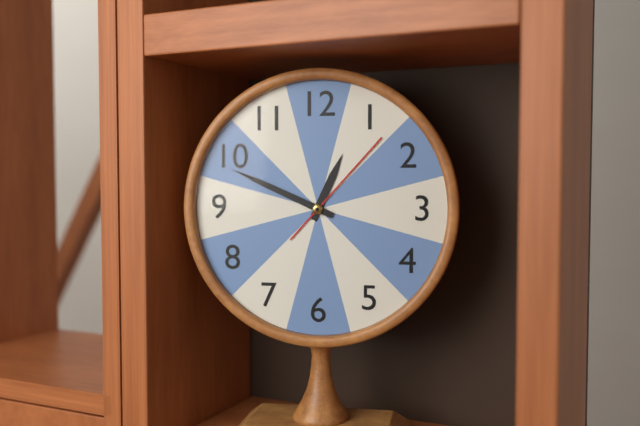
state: 12:49:07
